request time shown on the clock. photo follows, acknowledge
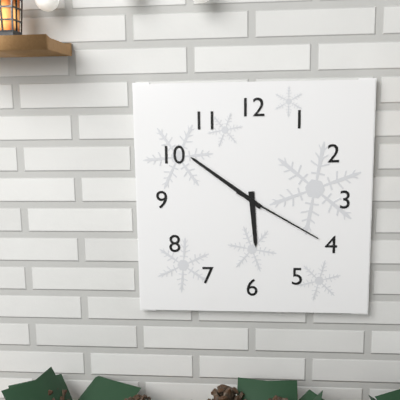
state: 5:51:20
